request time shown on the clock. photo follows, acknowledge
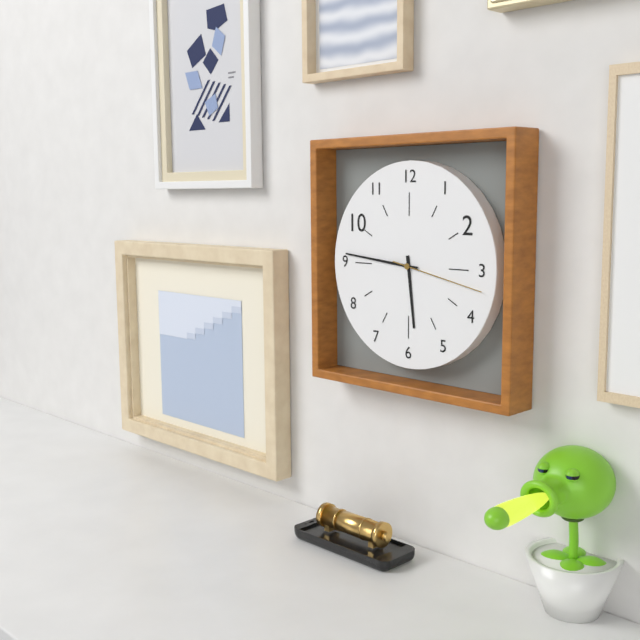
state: 5:46:17
